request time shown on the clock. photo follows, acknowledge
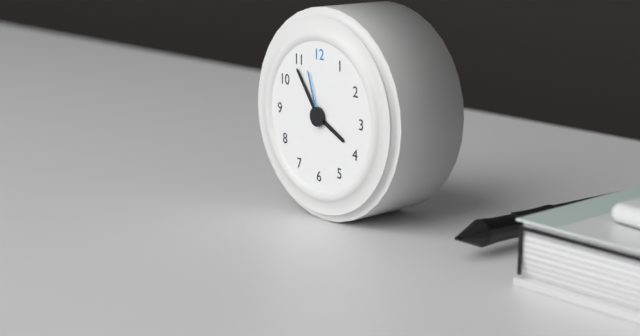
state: 3:54:57
